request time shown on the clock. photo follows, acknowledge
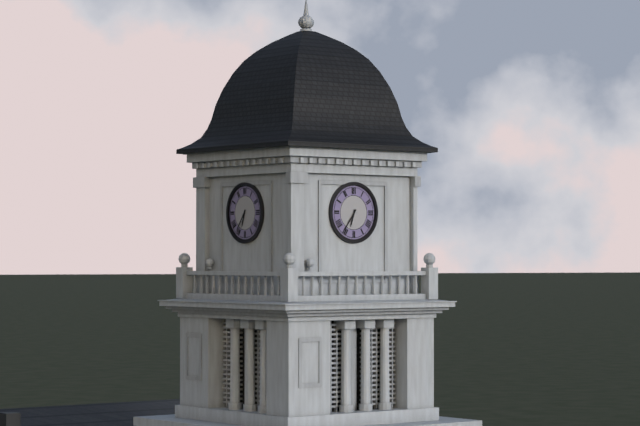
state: 6:36
